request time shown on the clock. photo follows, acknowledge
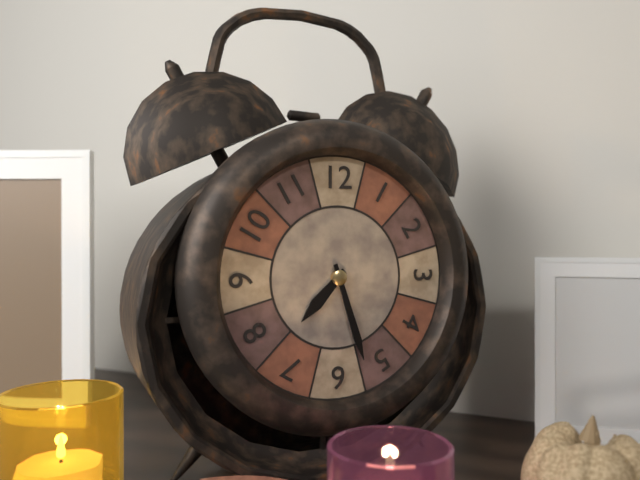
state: 7:27
